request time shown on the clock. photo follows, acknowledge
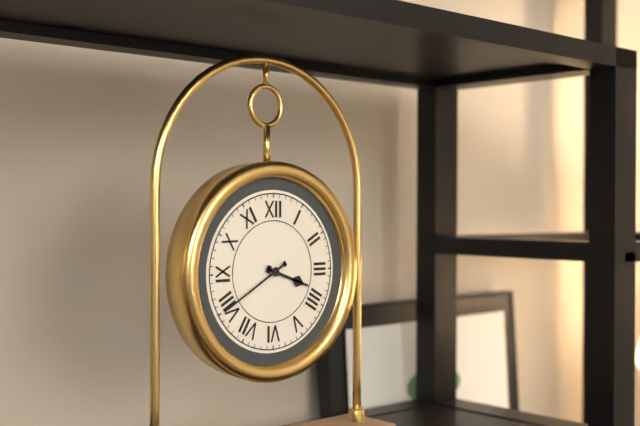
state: 3:40
